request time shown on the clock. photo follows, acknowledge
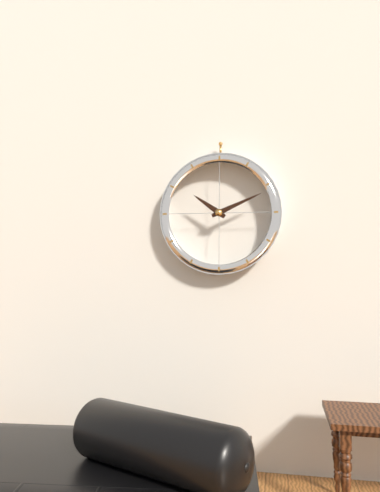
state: 10:11
